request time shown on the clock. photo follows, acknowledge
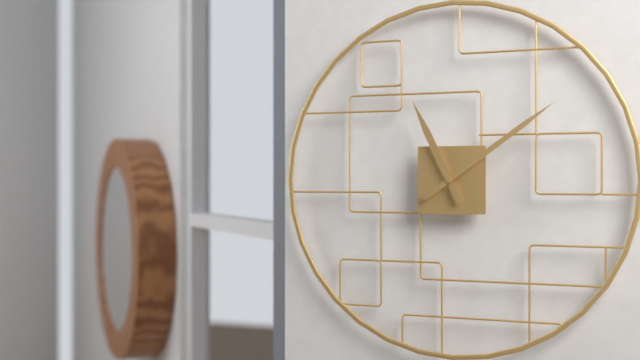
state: 11:09
